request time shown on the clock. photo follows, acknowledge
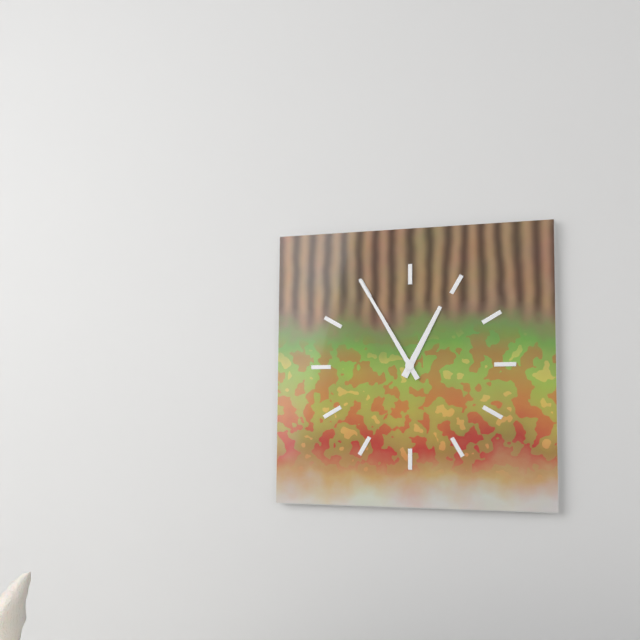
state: 12:55
